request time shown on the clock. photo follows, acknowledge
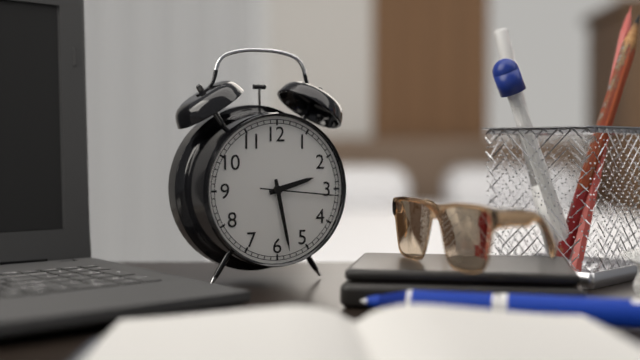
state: 2:28:16
